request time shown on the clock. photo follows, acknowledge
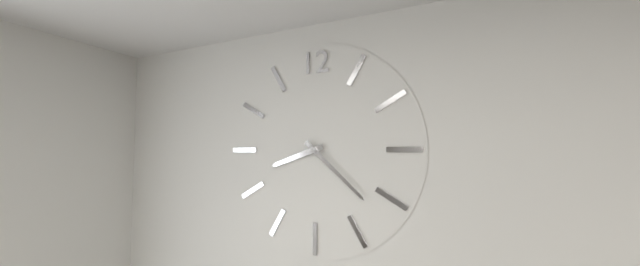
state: 8:22
